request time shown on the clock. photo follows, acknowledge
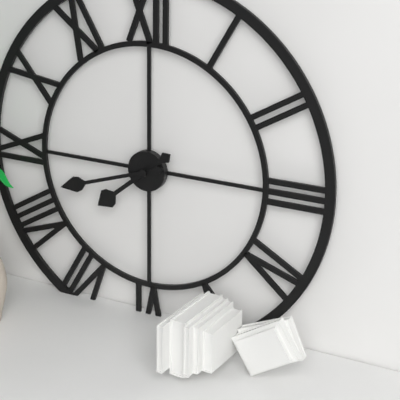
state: 7:42
